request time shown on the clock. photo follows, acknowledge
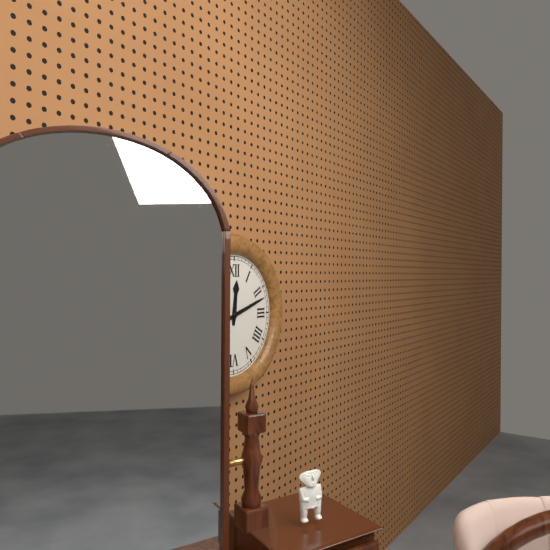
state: 12:12
